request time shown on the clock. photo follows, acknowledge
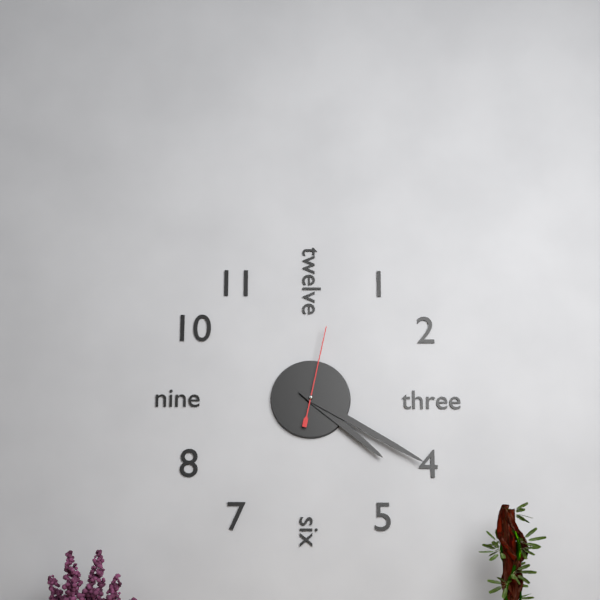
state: 4:20:02
